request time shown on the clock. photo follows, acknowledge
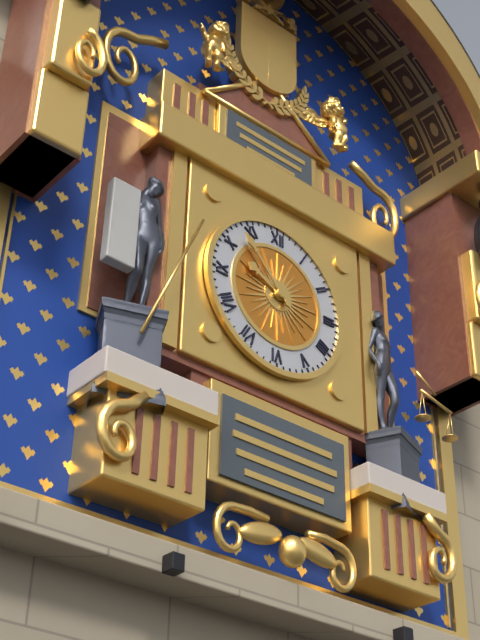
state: 9:53
